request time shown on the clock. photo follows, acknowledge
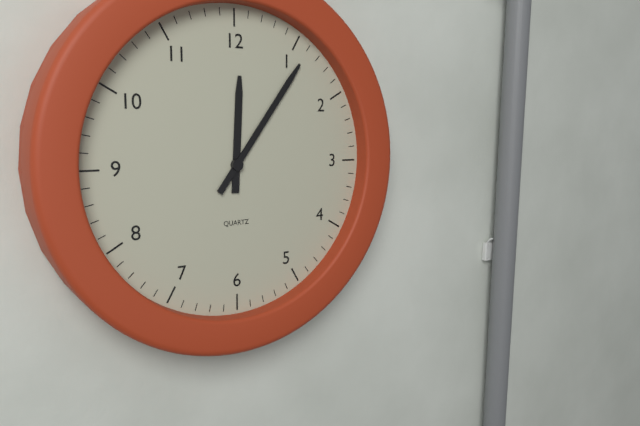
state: 12:06
